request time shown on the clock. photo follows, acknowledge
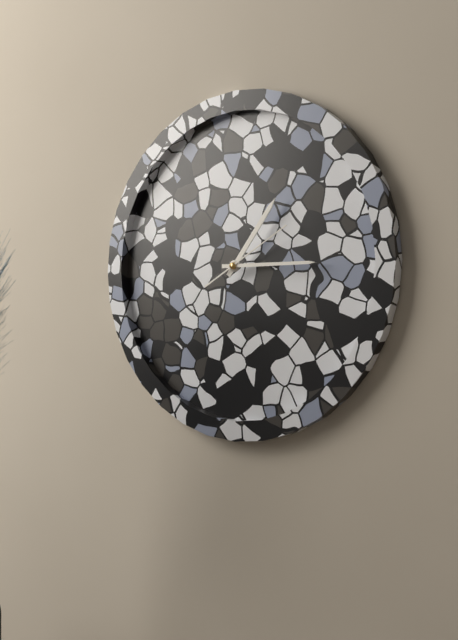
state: 1:15:10
